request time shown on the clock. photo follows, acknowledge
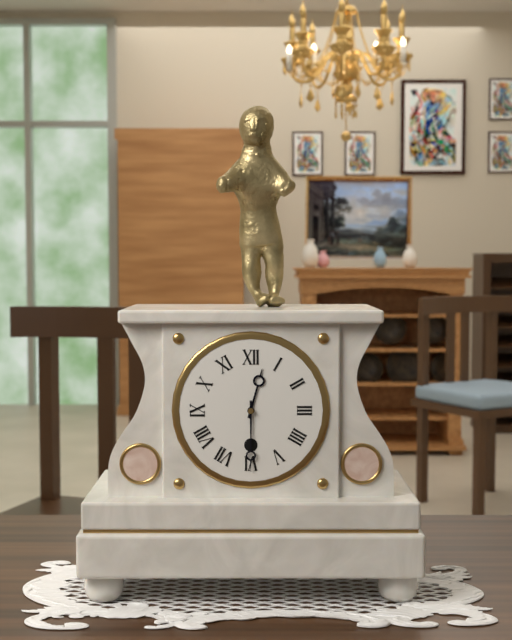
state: 12:30
